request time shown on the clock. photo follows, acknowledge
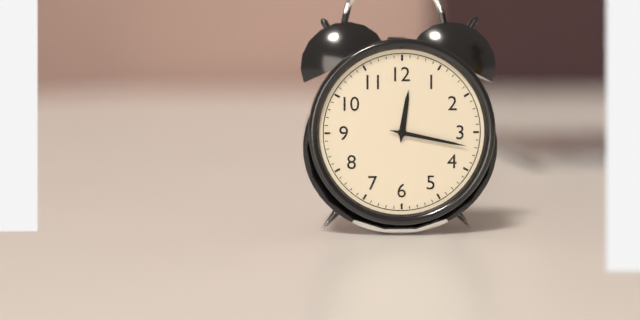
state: 12:17
